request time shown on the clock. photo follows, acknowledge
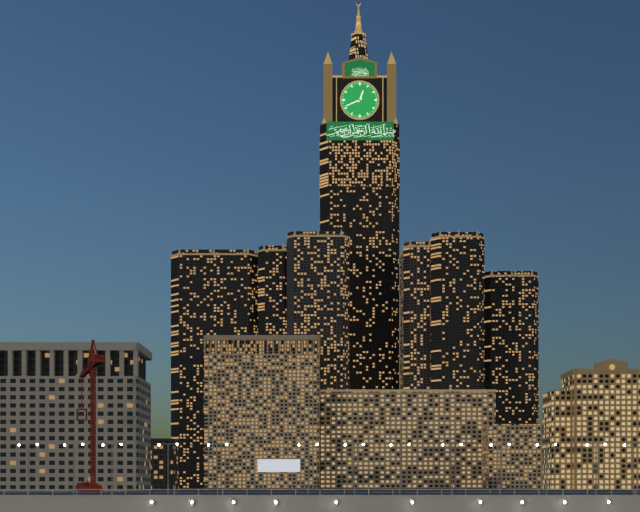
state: 12:41
